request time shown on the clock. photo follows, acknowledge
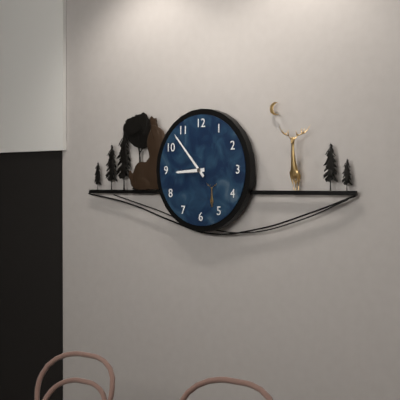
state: 8:53
